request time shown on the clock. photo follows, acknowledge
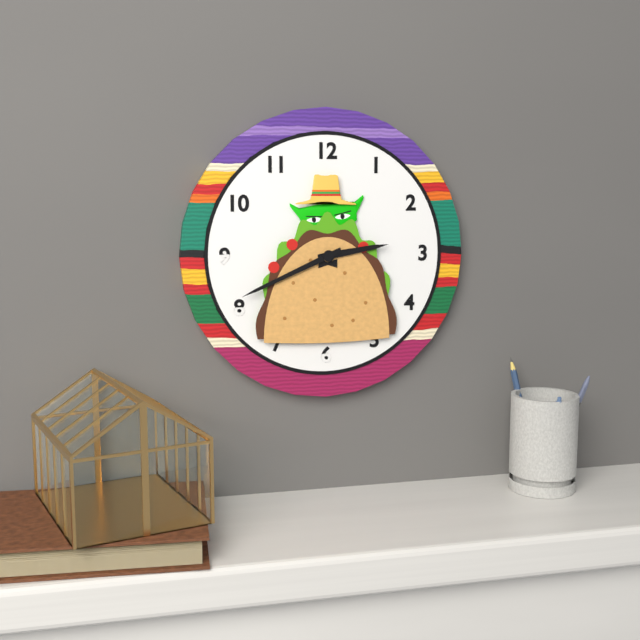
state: 2:41
